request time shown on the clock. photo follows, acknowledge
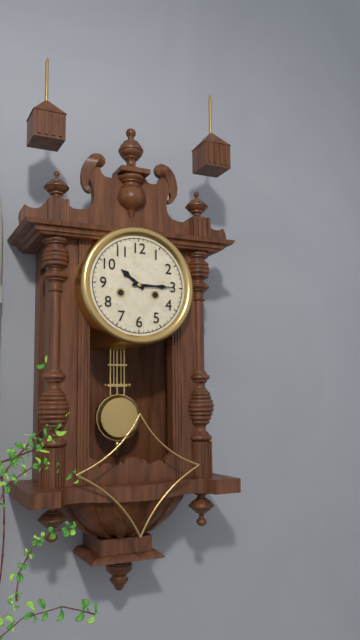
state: 10:15
